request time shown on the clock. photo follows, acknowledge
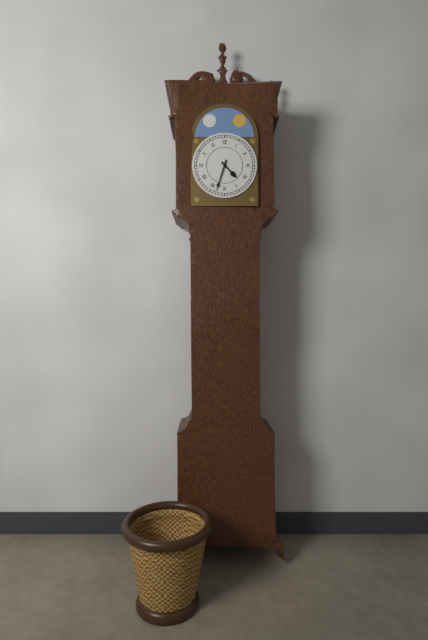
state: 4:33
